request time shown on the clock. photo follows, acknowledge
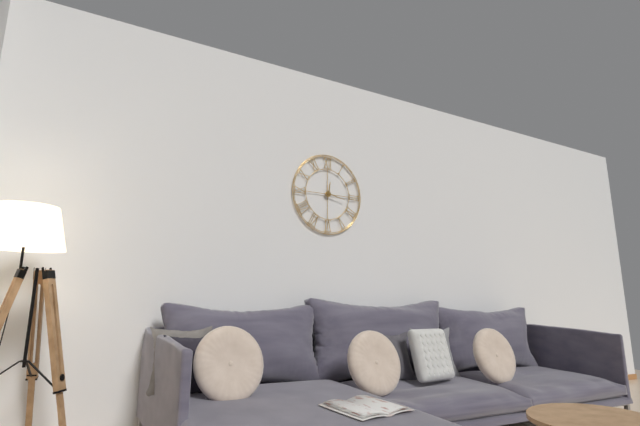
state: 12:17
